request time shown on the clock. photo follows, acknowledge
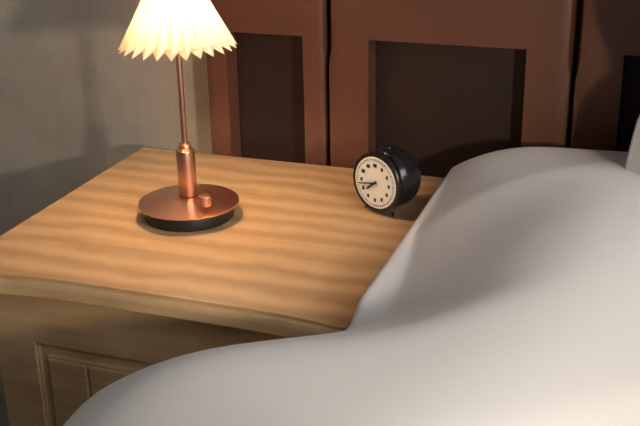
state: 7:43
